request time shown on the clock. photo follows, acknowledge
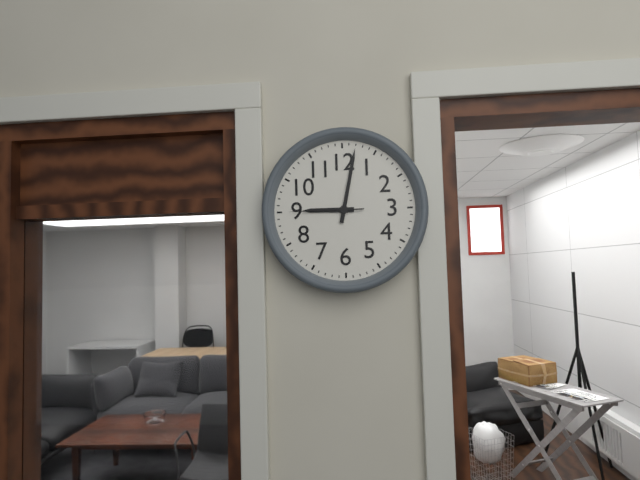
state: 9:02:45
